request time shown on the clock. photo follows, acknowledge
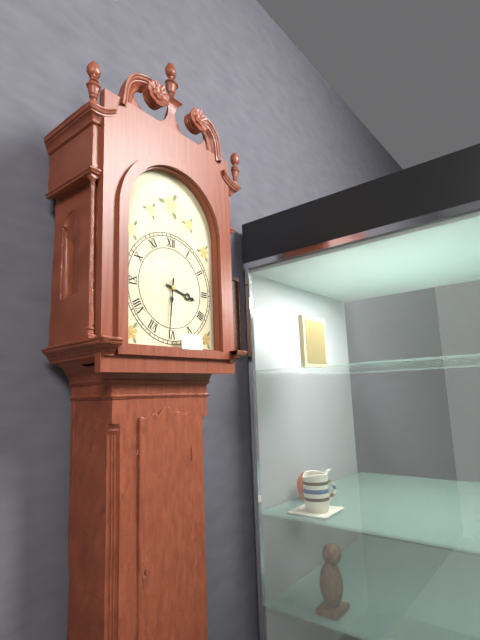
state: 3:31
